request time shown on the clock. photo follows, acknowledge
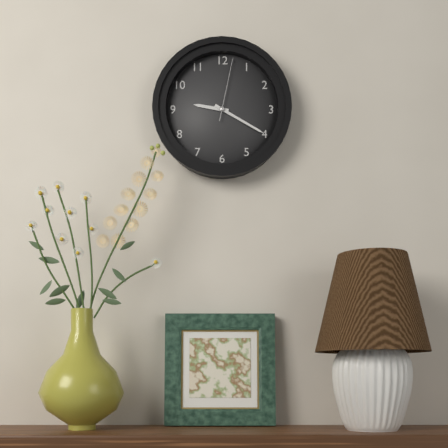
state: 9:20:02
